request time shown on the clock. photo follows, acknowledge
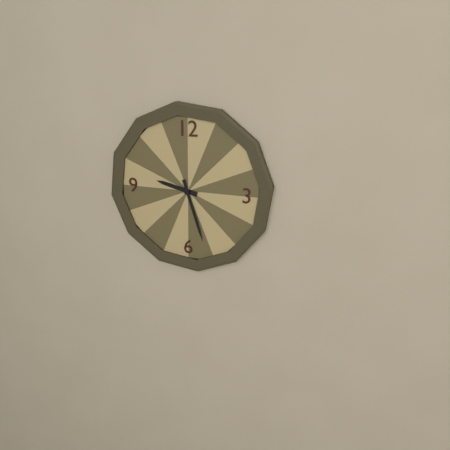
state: 9:27
